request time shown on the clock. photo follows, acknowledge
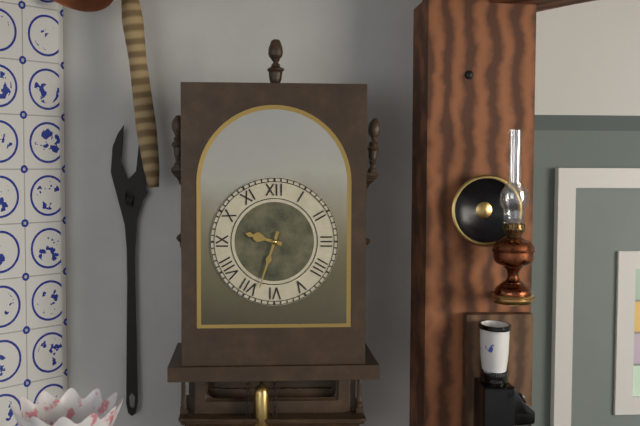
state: 9:33
